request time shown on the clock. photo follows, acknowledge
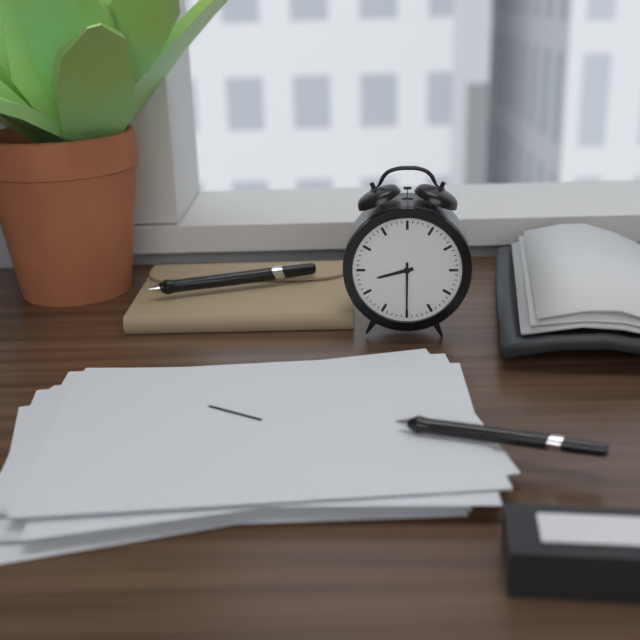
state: 8:30
